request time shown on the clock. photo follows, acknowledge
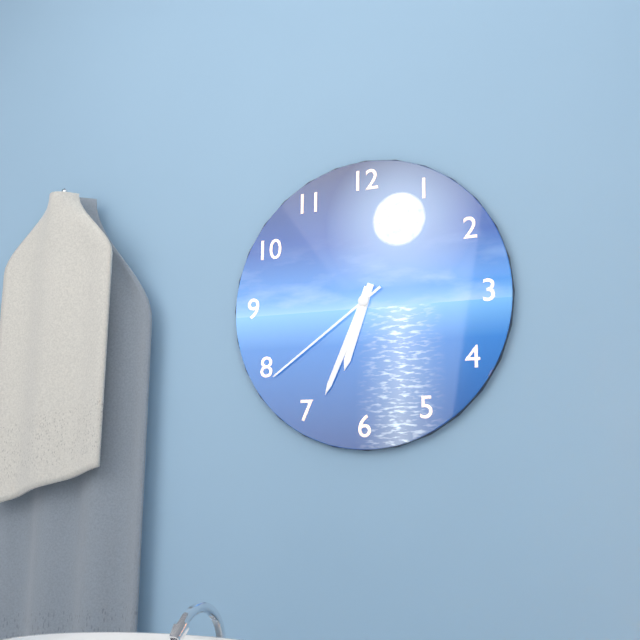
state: 6:34:39
